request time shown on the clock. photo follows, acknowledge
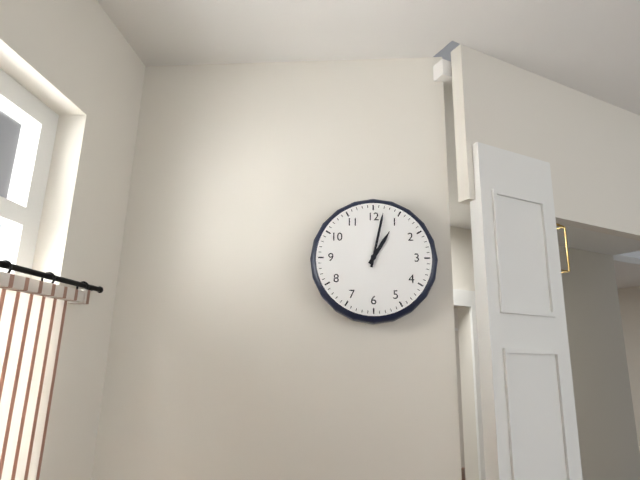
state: 1:02
